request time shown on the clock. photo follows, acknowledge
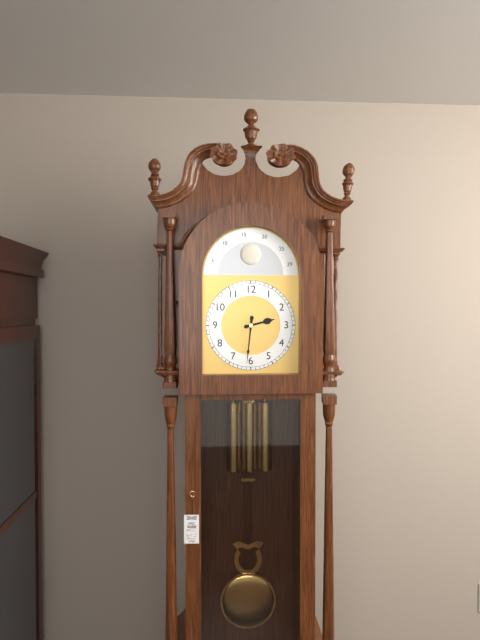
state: 2:31
